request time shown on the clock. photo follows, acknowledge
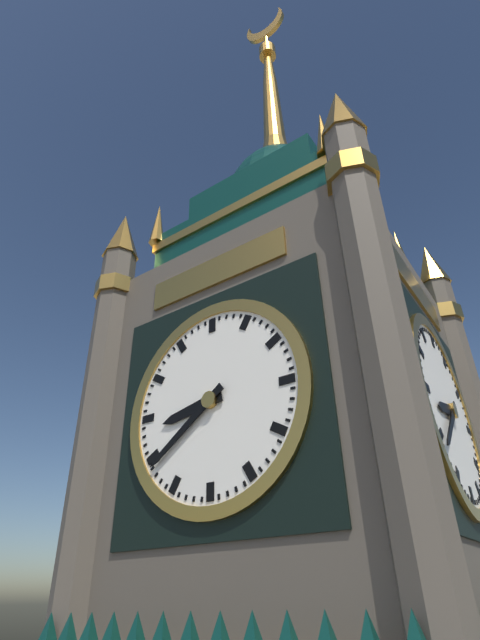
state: 8:39
